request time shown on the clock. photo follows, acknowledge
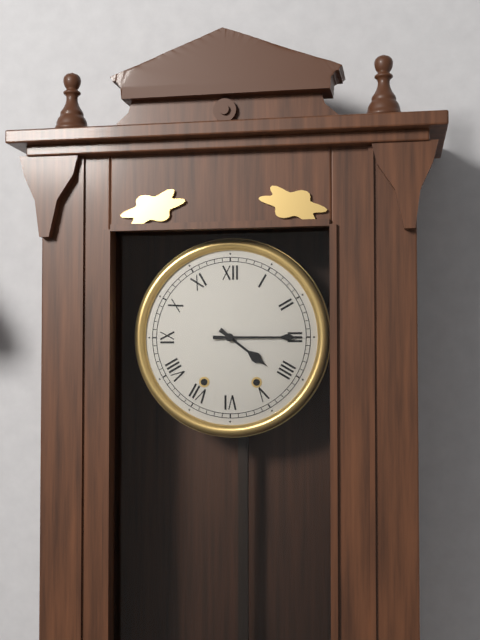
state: 4:15
